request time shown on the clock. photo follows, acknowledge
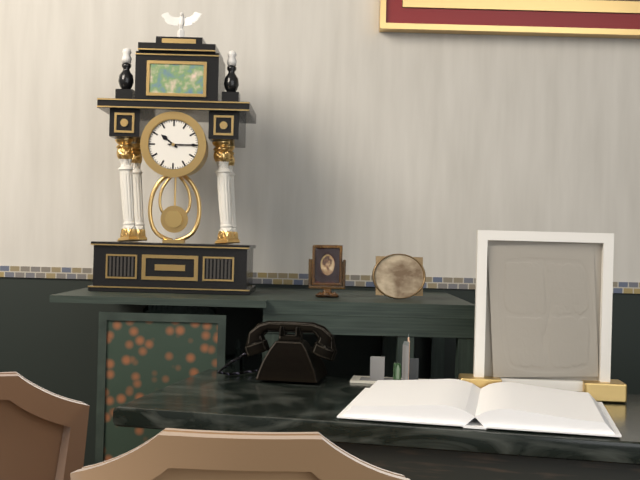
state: 10:15
